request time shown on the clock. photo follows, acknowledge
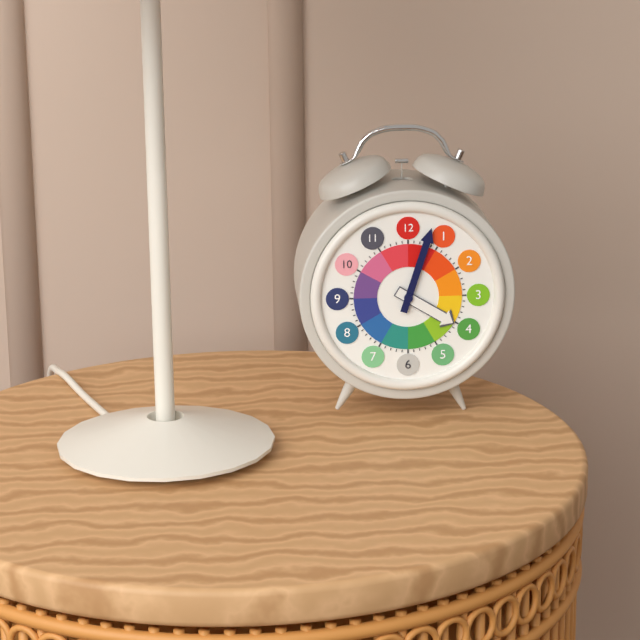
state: 4:03
